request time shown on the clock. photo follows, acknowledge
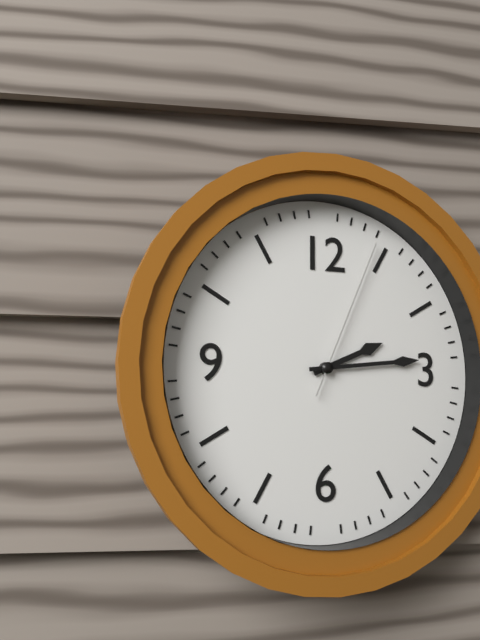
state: 2:14:04
